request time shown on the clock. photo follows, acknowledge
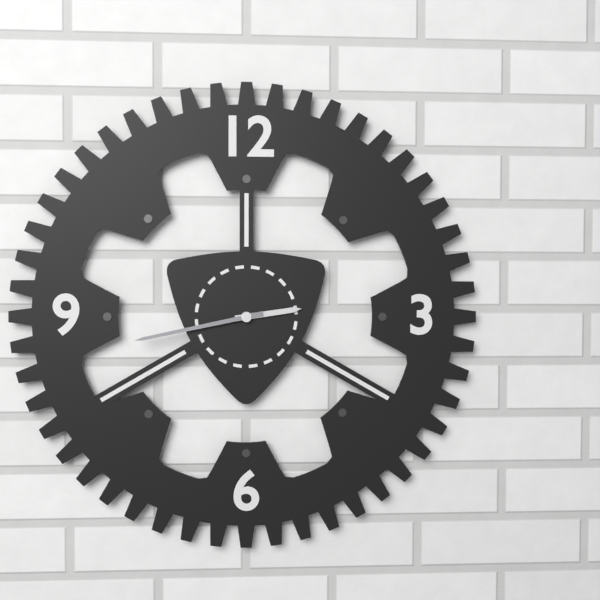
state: 2:43
